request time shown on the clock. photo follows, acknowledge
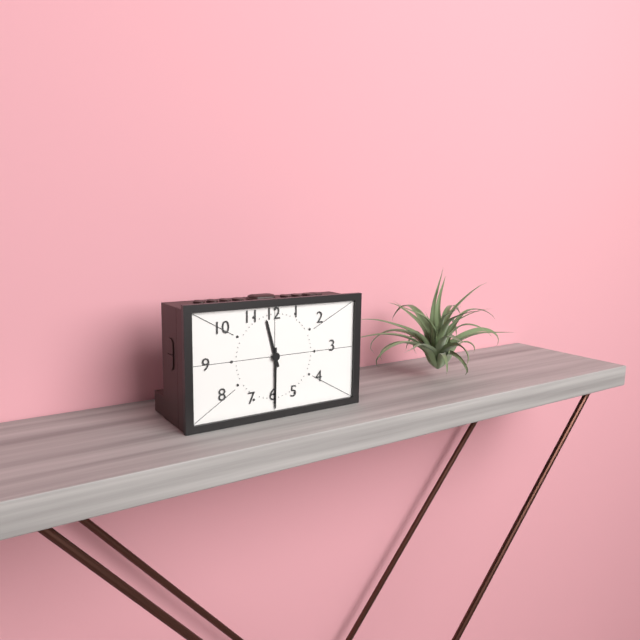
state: 11:30
